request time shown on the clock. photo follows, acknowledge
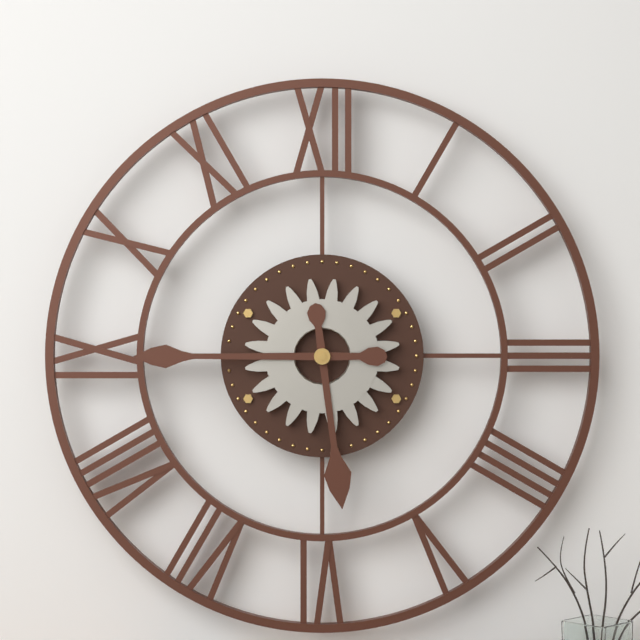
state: 5:45
